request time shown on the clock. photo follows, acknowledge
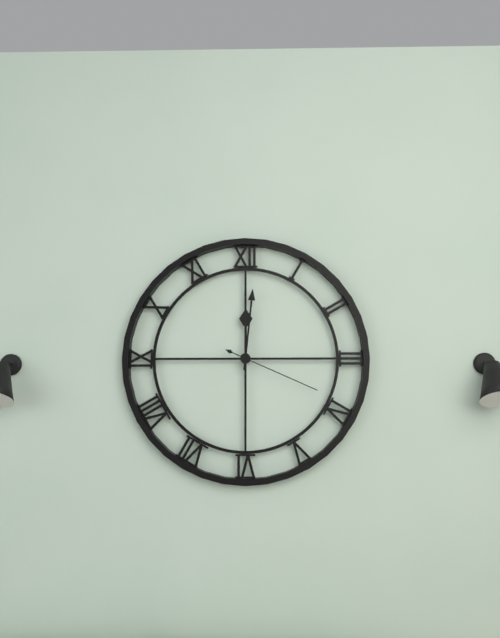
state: 12:01:19
